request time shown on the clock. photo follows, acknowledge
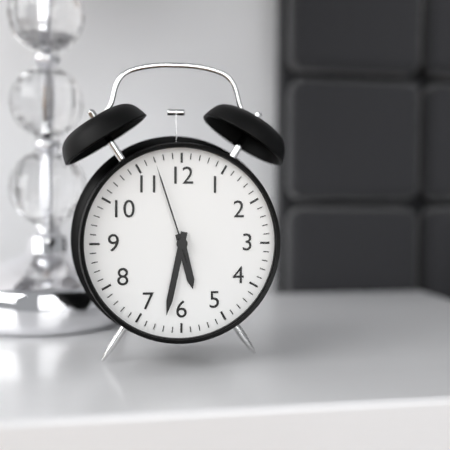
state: 5:32:57
